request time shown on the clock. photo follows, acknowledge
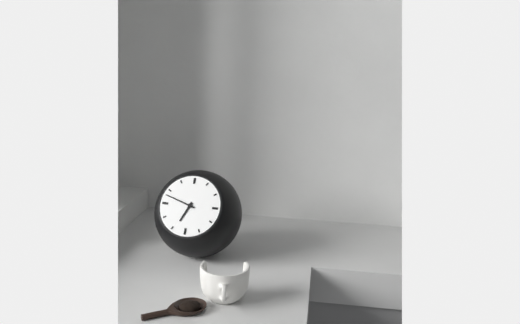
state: 6:48
